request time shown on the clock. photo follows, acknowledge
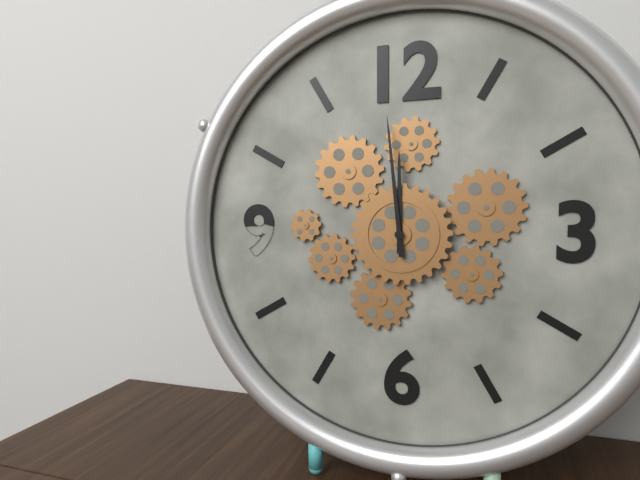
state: 11:59
